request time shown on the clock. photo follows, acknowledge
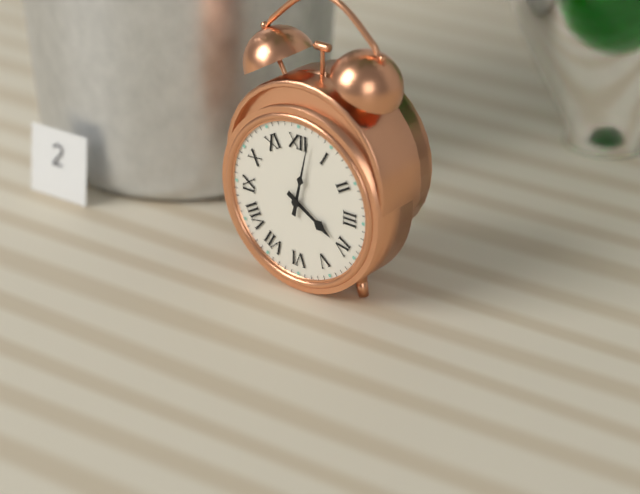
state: 4:02
